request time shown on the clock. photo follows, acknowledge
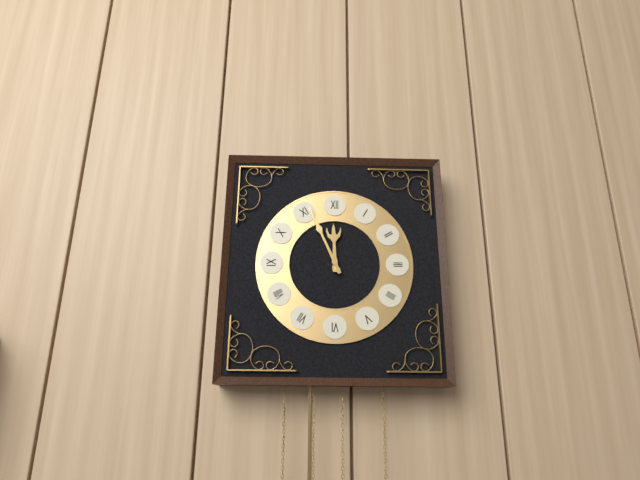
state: 11:56
